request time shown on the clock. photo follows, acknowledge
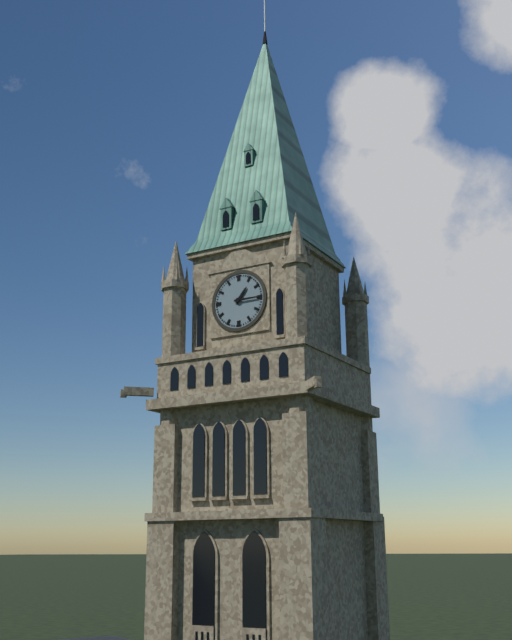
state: 1:15
